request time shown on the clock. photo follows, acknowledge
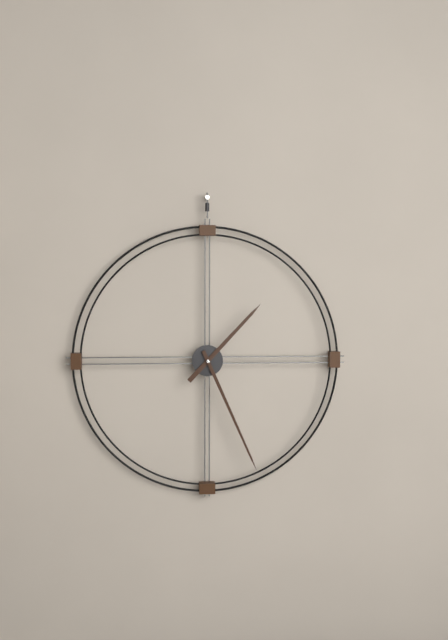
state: 1:26
